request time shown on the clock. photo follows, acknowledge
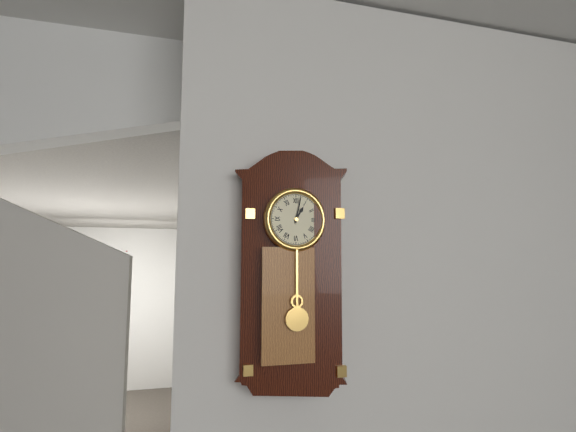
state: 1:02
